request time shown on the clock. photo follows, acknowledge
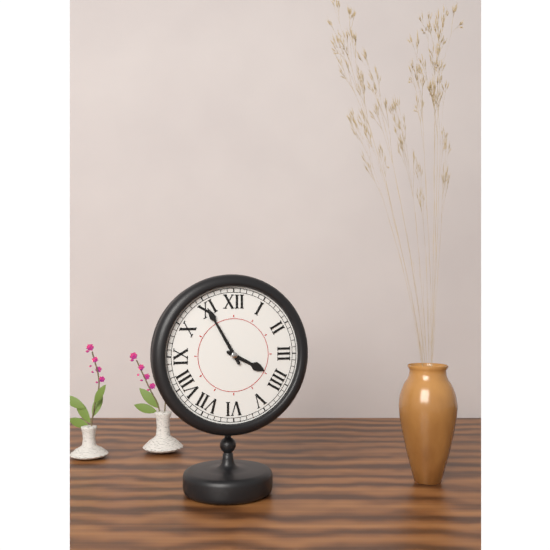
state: 3:55
